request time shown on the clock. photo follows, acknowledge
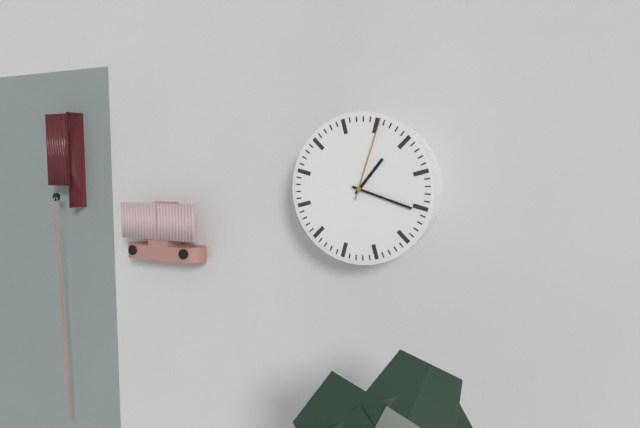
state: 1:18:03
